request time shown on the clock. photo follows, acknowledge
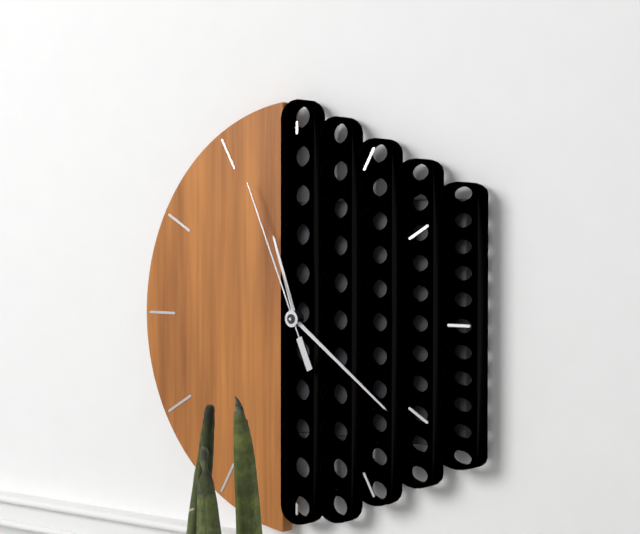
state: 11:21:56
